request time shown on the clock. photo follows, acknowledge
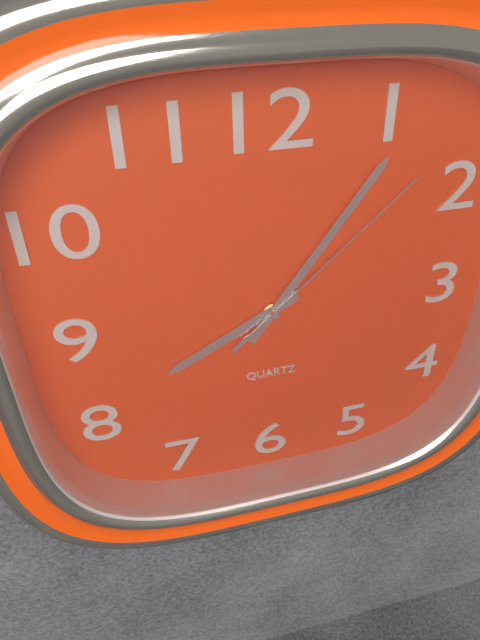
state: 8:06:08
